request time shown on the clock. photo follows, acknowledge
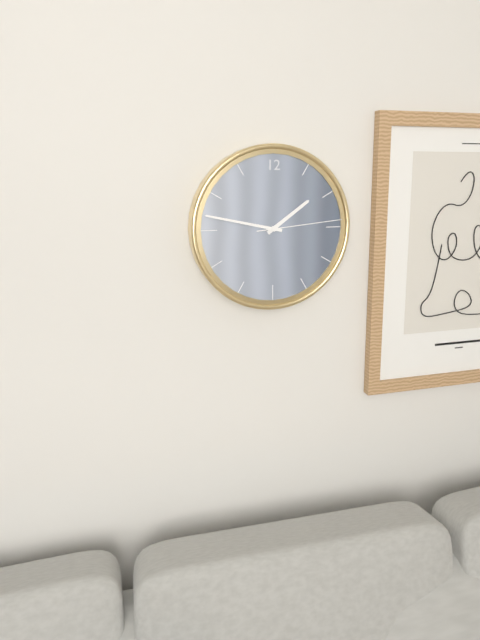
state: 1:47:14
